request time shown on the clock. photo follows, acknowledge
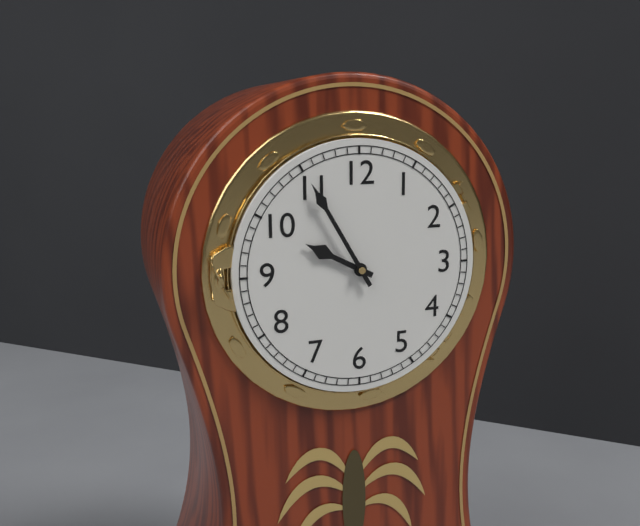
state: 9:55
